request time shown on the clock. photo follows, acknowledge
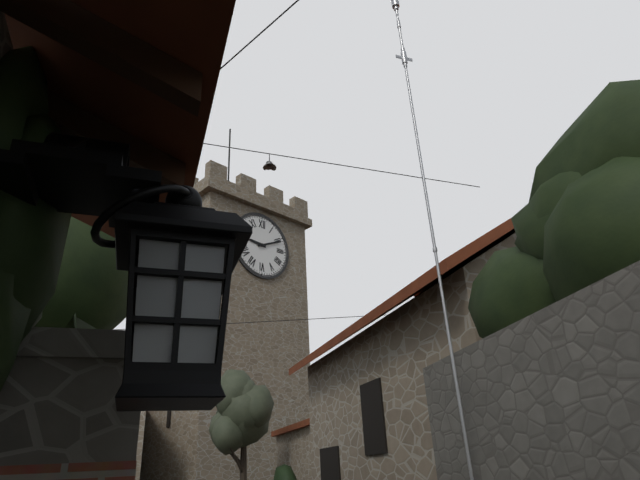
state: 9:11
